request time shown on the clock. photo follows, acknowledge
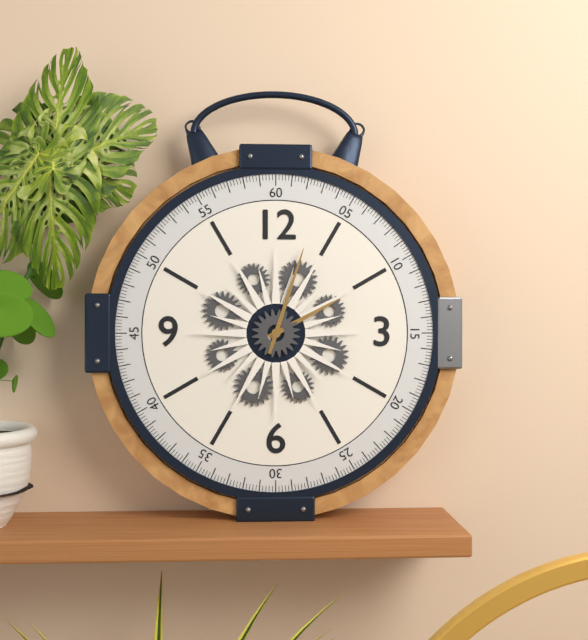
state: 2:03
